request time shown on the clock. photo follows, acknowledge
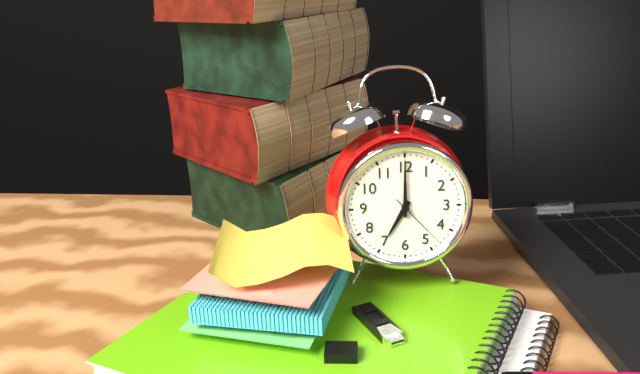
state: 7:00:23
